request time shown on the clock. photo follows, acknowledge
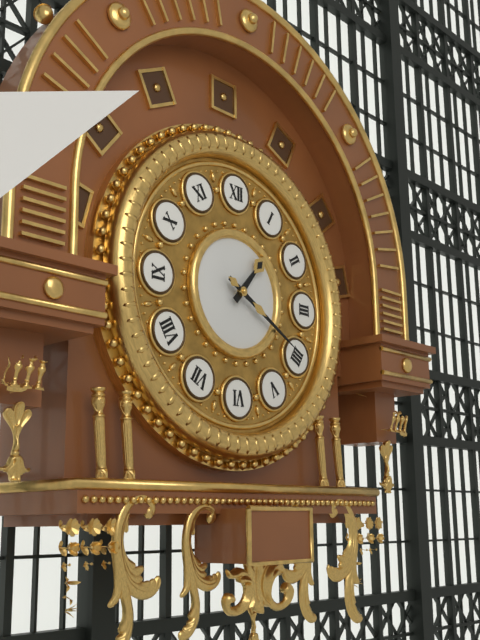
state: 1:20
